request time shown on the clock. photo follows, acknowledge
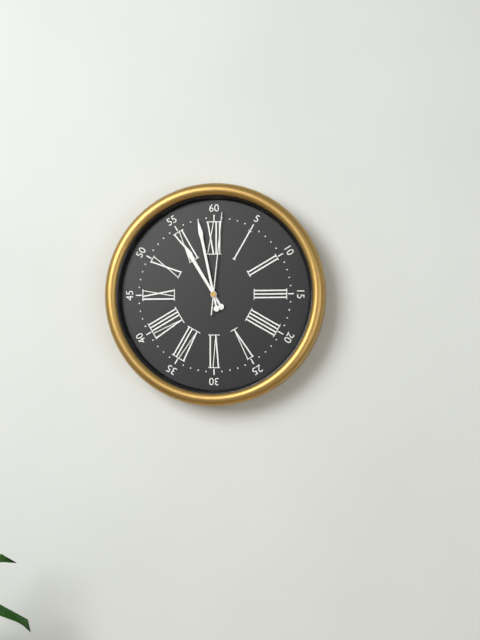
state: 10:58:01
